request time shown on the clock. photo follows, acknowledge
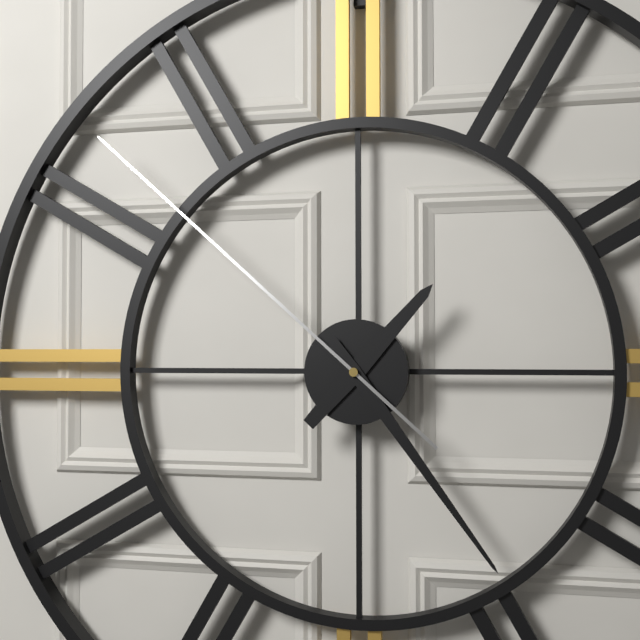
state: 1:24:52
